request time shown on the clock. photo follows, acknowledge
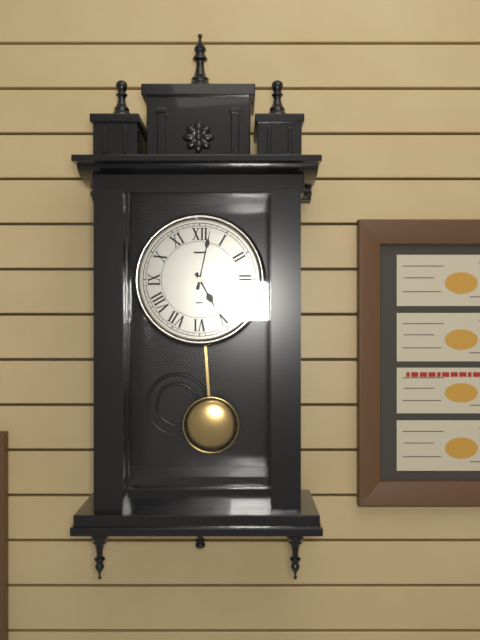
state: 5:02
